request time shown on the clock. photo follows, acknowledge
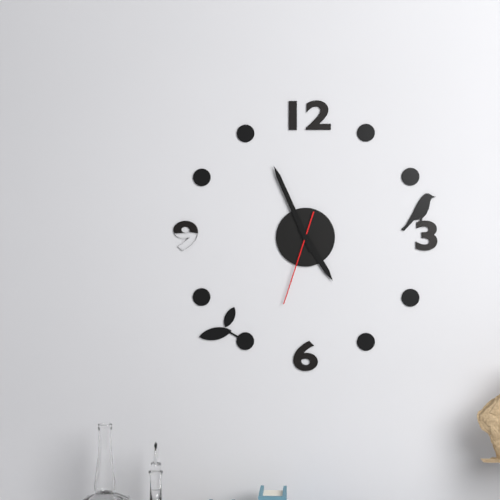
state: 4:56:33
